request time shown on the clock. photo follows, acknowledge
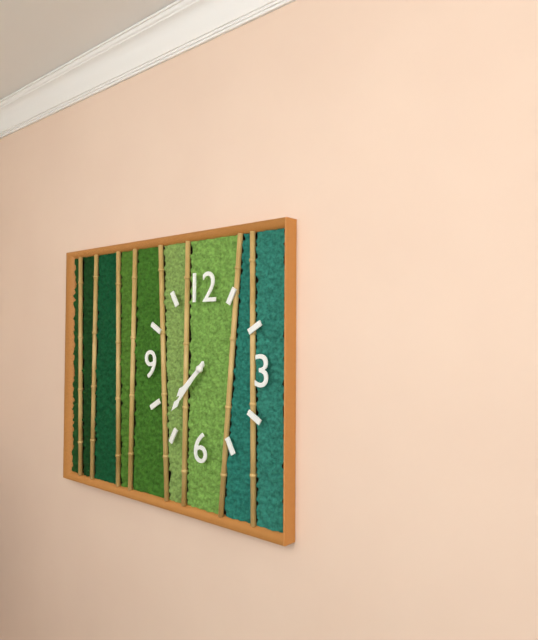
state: 7:37
